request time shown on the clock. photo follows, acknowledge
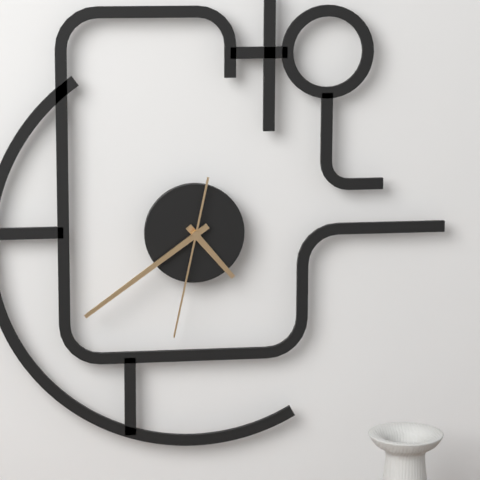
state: 4:39:32
